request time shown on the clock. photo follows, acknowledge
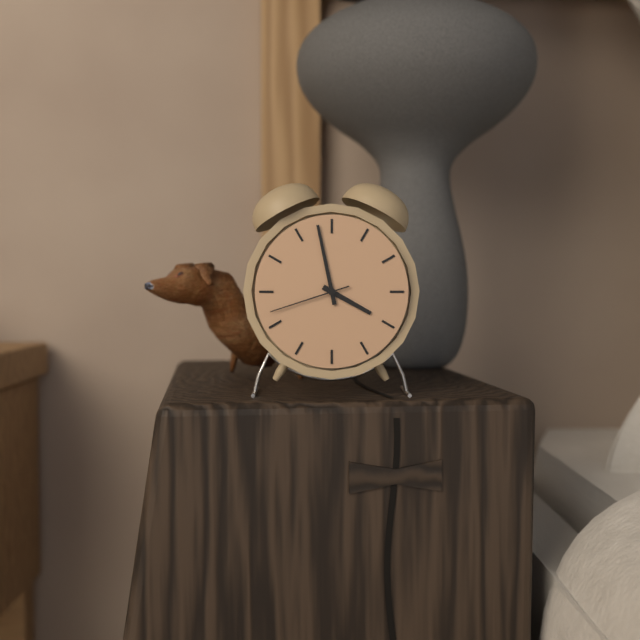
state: 3:58:42
